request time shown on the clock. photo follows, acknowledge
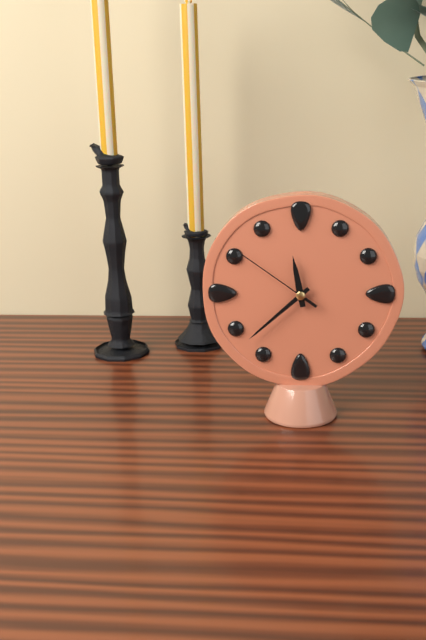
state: 11:38:51
